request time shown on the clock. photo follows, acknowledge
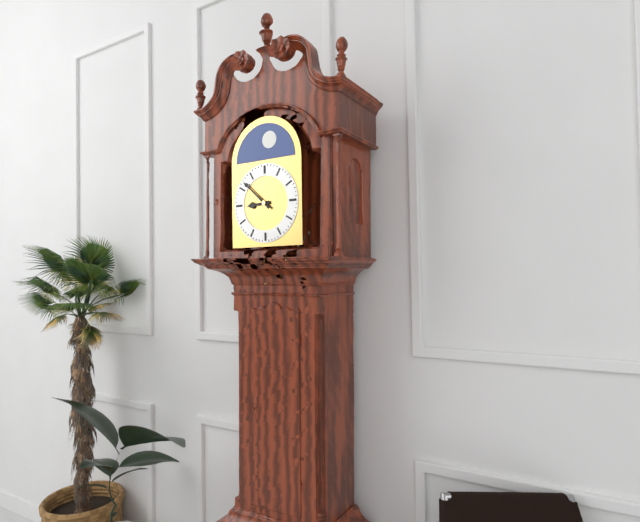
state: 8:52
